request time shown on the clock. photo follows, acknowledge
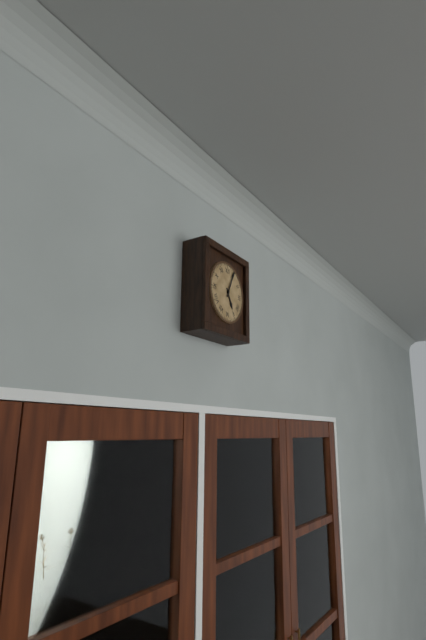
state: 5:04
